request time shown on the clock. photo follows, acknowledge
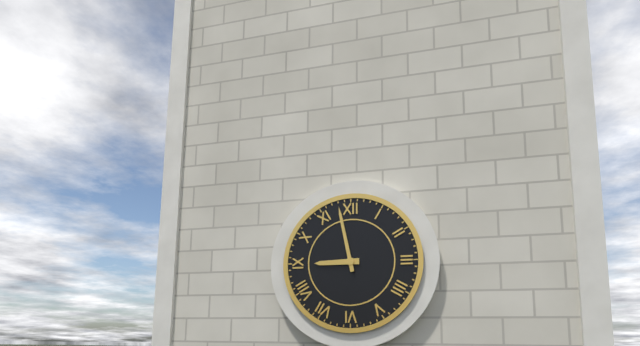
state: 8:58
